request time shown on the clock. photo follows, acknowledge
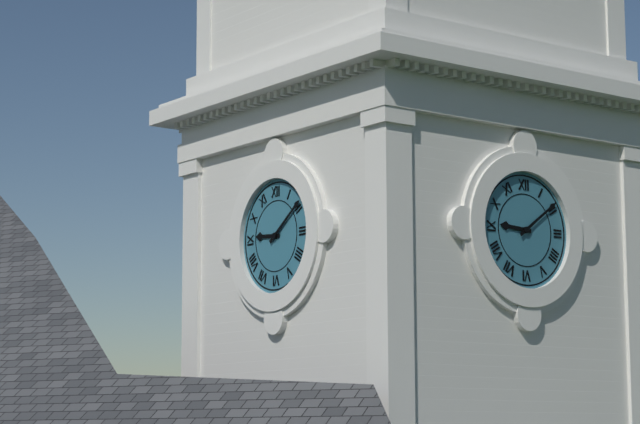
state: 9:09
